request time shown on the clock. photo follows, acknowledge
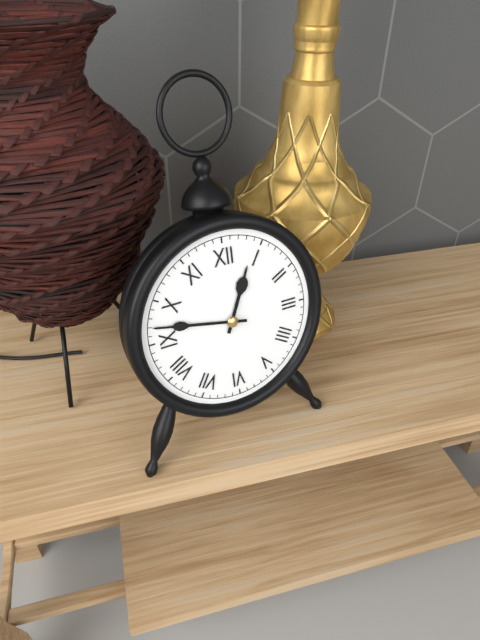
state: 12:47
